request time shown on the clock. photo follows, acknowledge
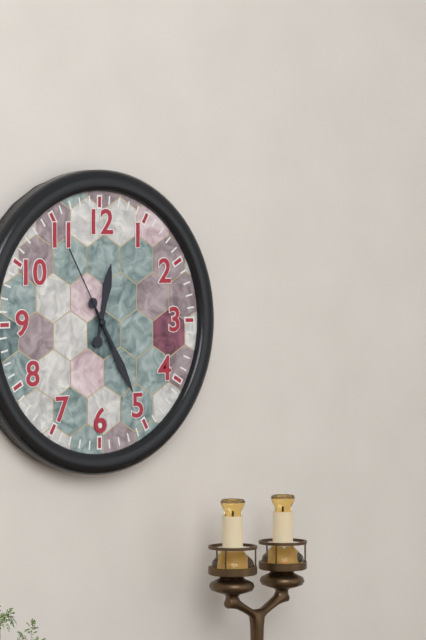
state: 12:25:55
